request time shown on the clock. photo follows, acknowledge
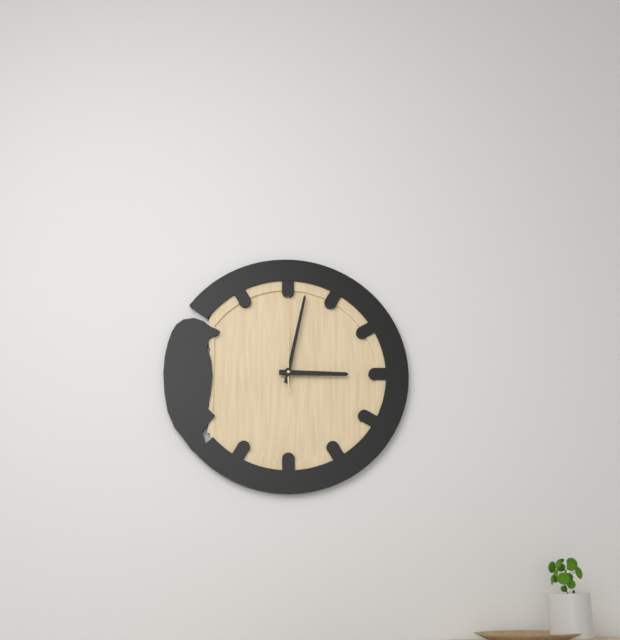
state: 3:02:00
